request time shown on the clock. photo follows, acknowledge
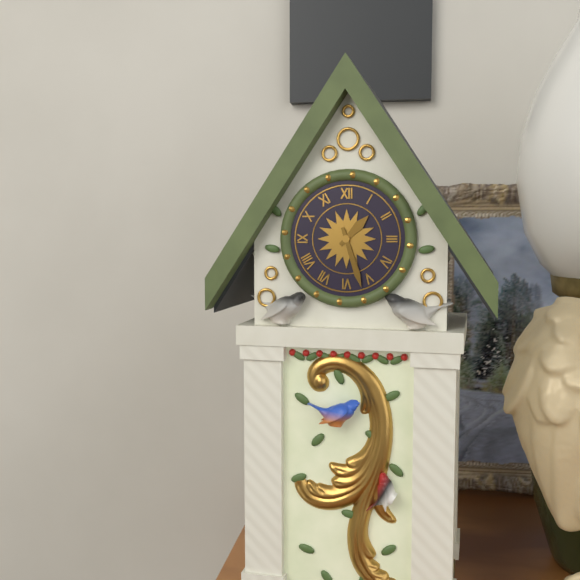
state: 1:27
